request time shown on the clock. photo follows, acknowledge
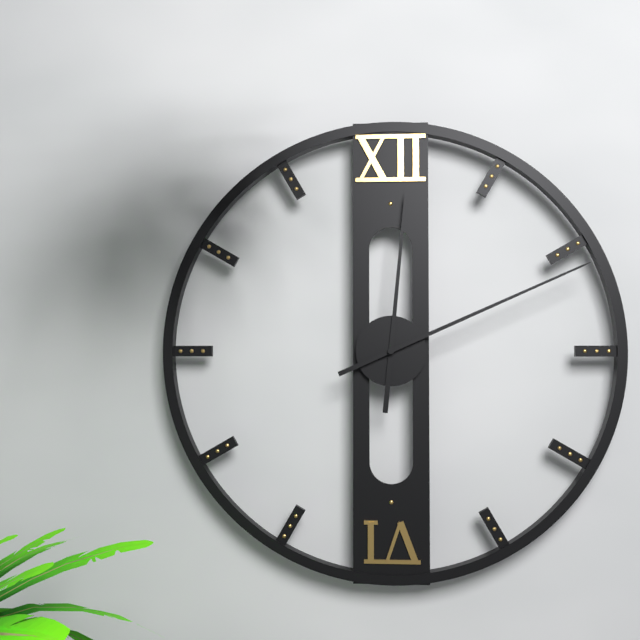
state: 12:11
